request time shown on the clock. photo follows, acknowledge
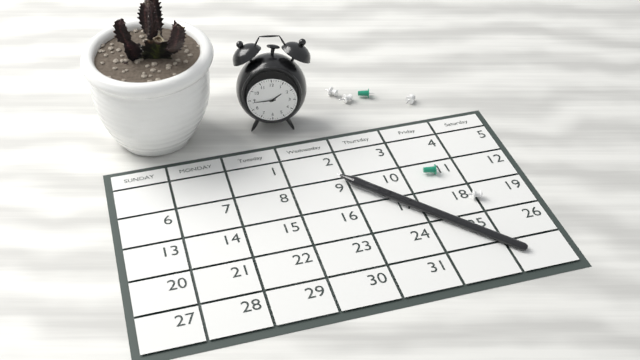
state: 1:44
